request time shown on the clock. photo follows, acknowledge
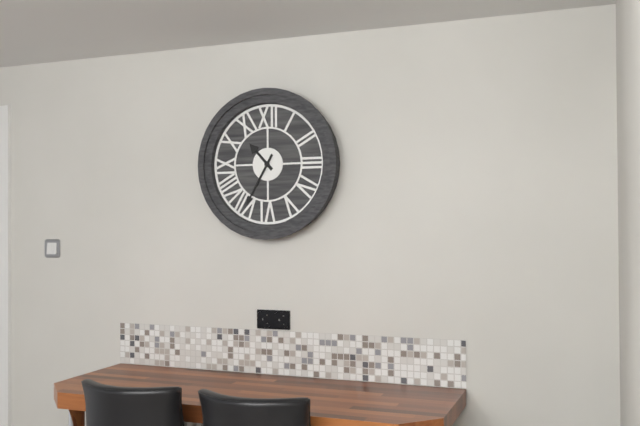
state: 10:35
